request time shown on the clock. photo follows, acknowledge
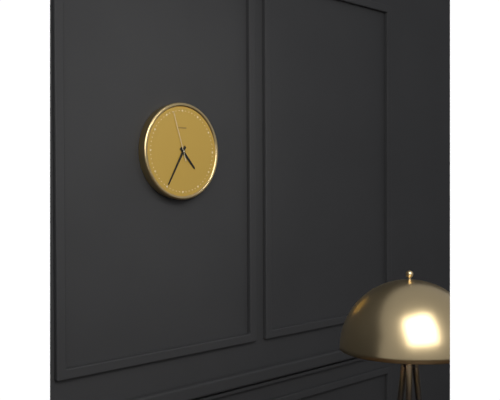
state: 4:35:57
